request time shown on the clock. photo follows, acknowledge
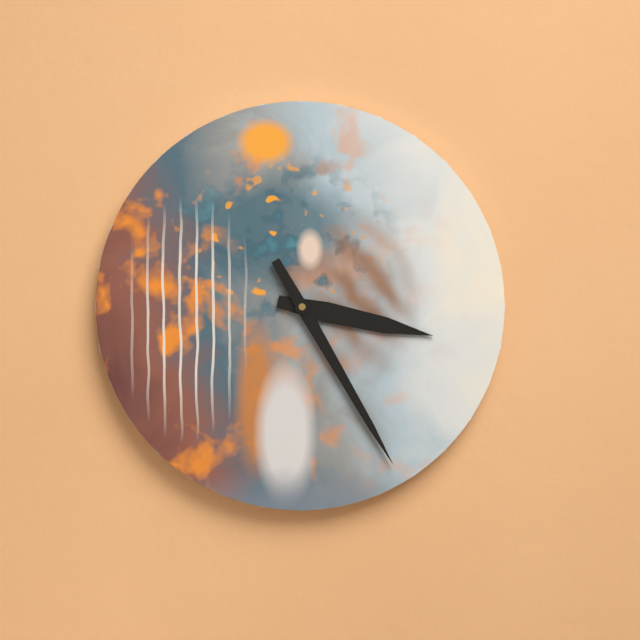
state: 3:25
